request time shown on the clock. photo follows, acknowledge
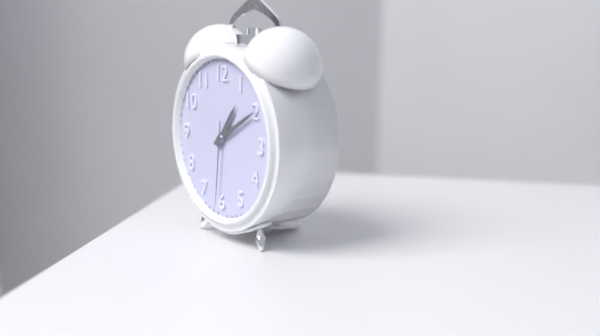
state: 1:10:31
